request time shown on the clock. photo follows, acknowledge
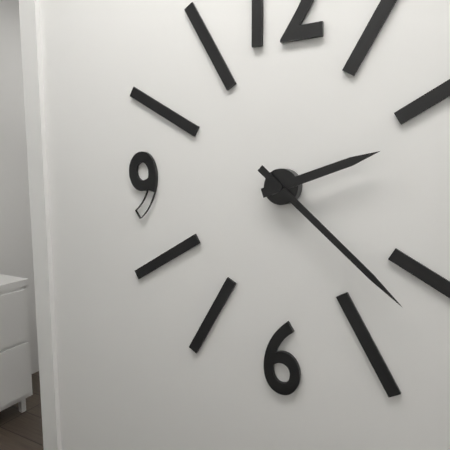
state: 2:22
